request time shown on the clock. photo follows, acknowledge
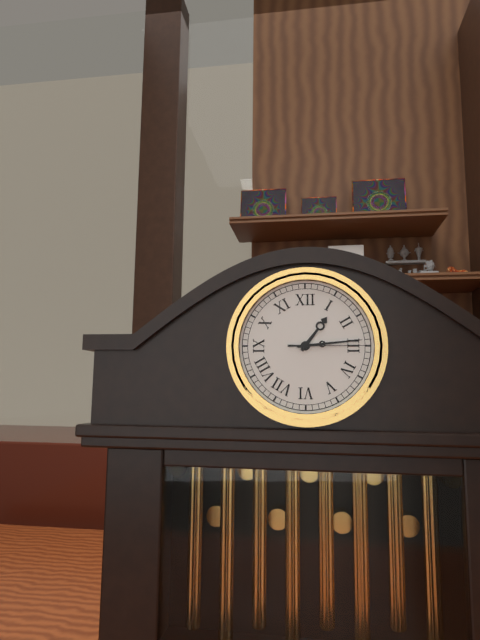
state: 1:14:15
